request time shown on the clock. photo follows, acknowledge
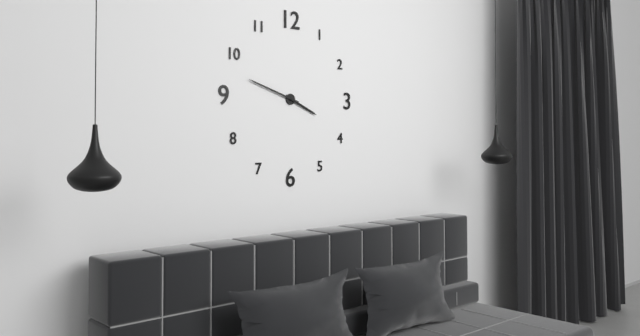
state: 3:48
